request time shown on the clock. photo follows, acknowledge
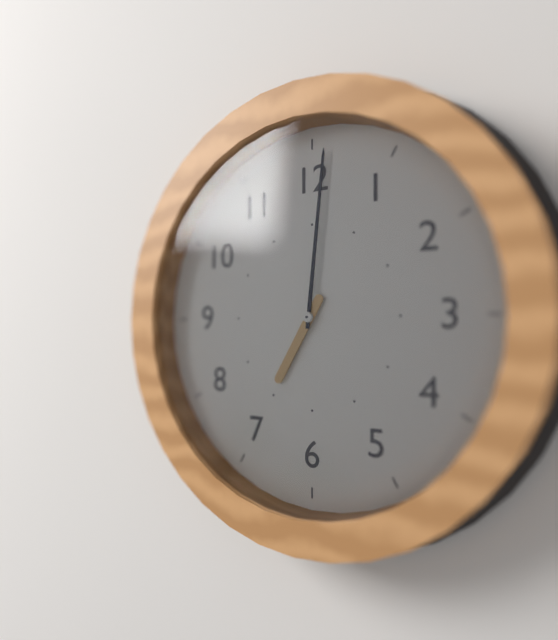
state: 7:01
